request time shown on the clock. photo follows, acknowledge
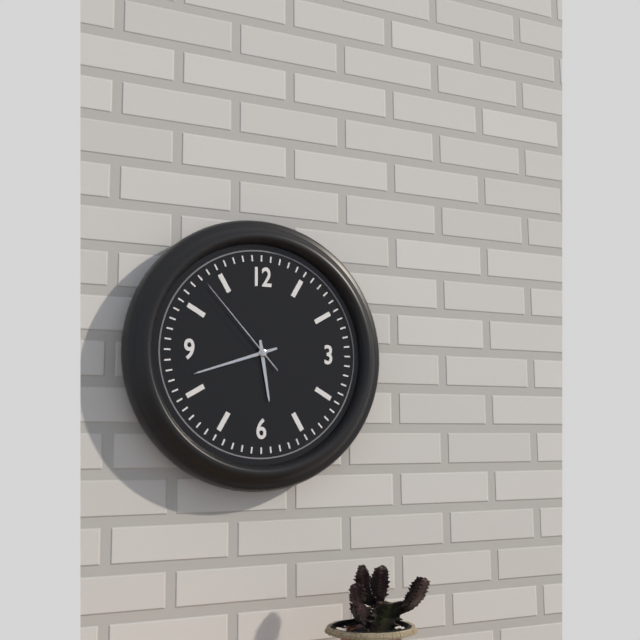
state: 5:42:53
